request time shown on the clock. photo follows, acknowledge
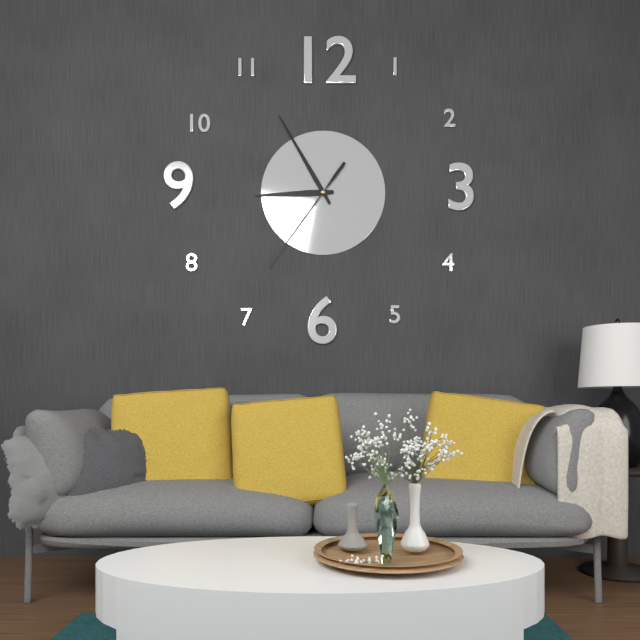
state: 8:55:36
